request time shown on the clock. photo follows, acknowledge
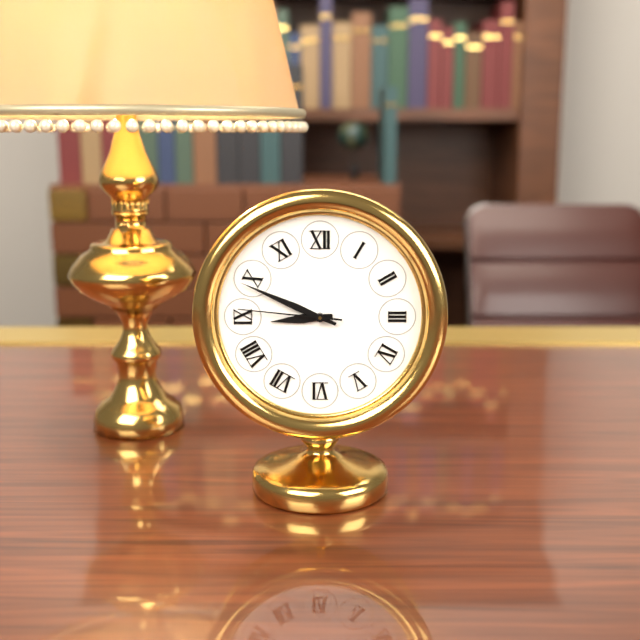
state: 8:49:46
